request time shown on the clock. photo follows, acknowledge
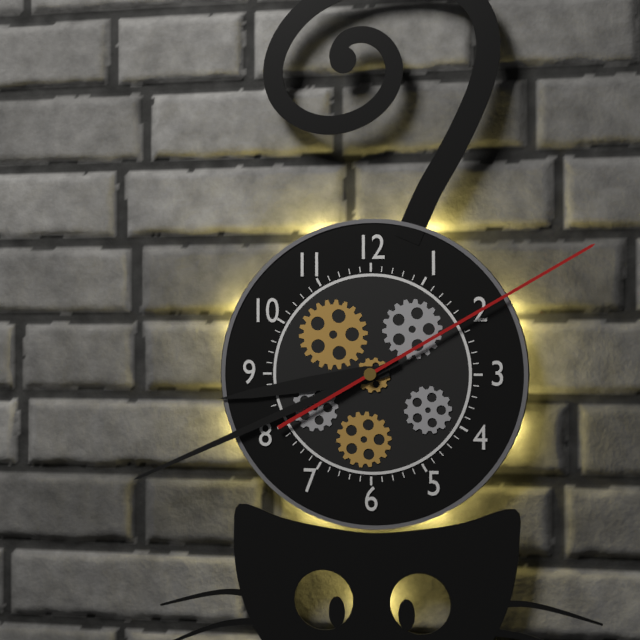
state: 8:41:10
